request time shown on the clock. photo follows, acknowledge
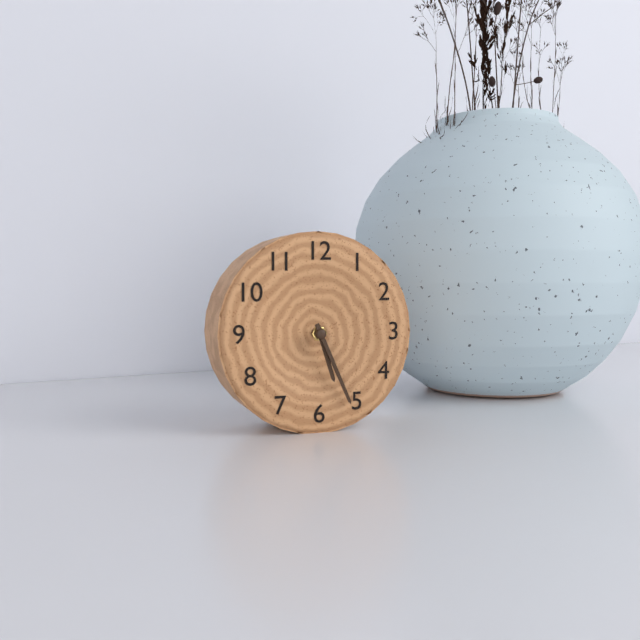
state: 5:26
